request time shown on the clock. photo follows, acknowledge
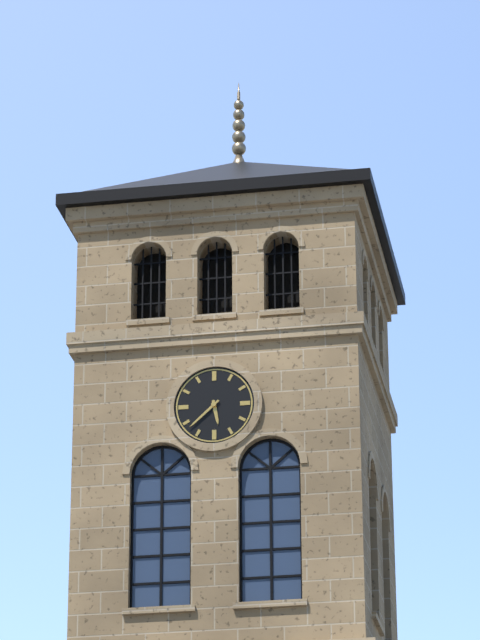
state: 5:38
